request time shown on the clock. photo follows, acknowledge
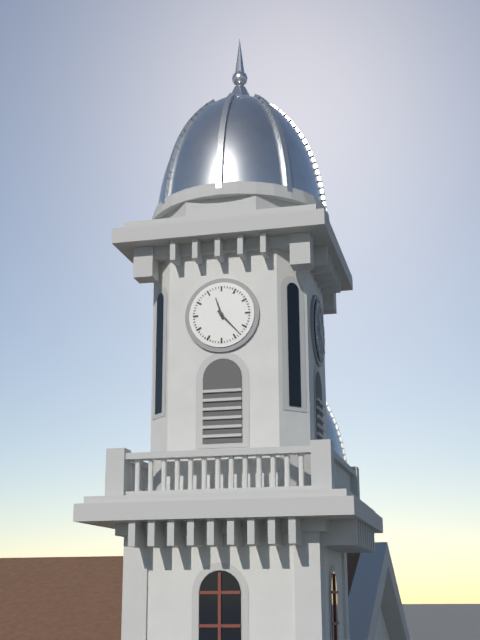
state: 11:23
